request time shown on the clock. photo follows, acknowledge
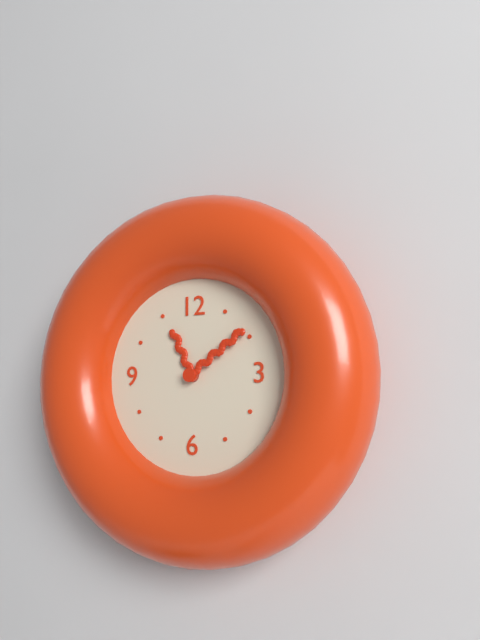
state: 11:09
